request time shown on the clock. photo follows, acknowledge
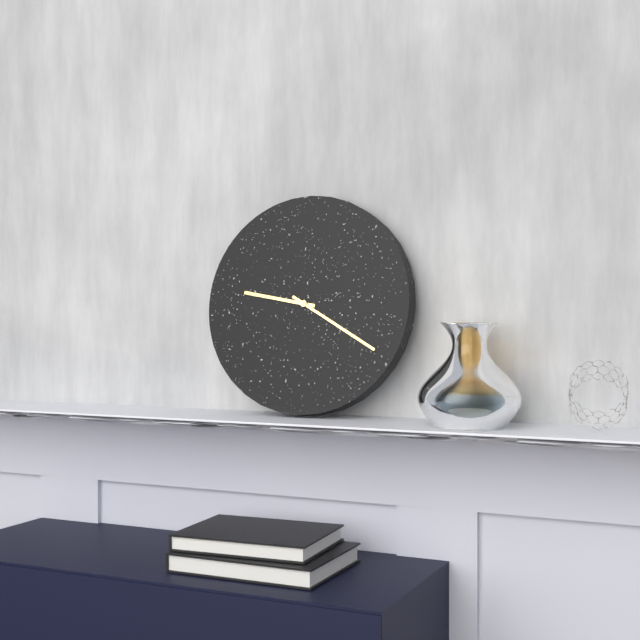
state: 9:20
